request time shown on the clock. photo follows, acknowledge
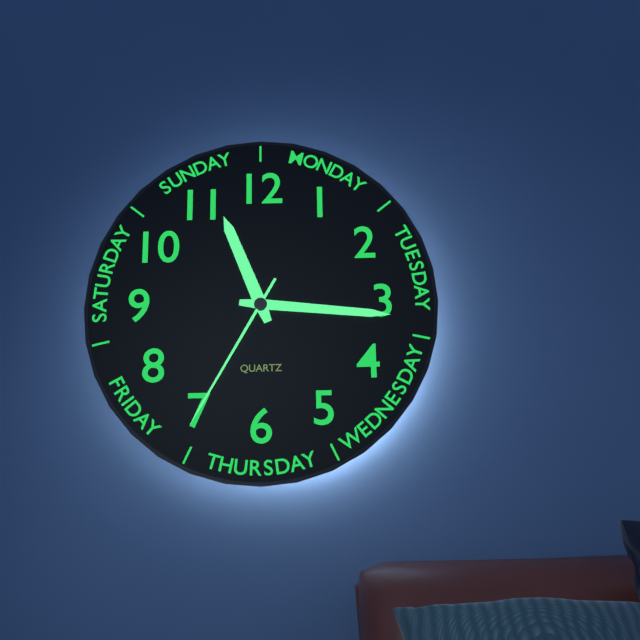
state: 11:16:35
